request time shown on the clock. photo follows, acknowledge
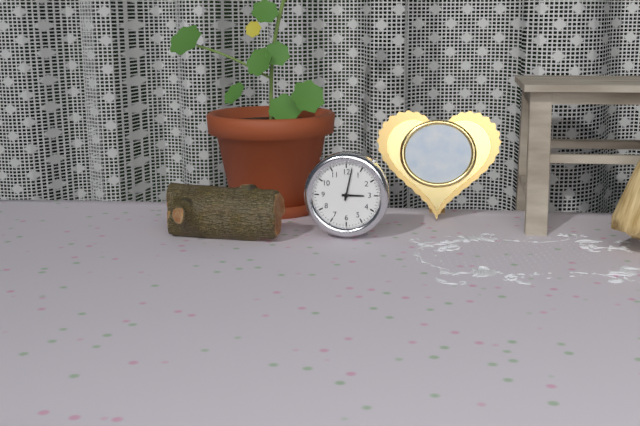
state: 3:02
